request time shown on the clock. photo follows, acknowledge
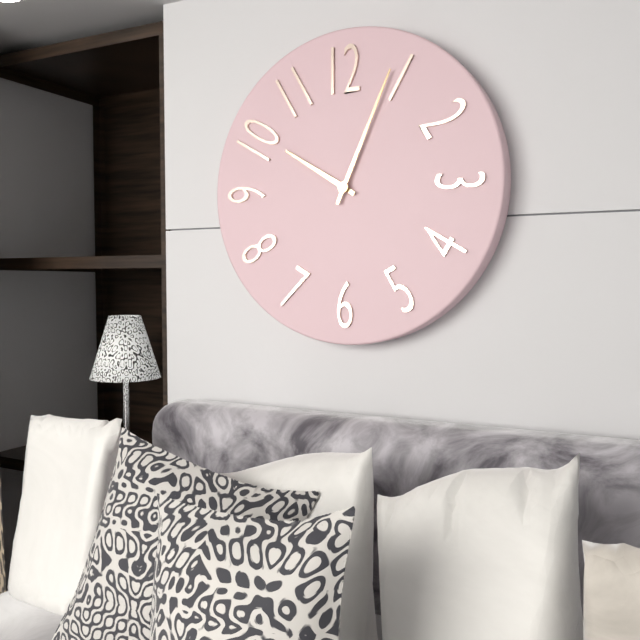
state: 10:04
